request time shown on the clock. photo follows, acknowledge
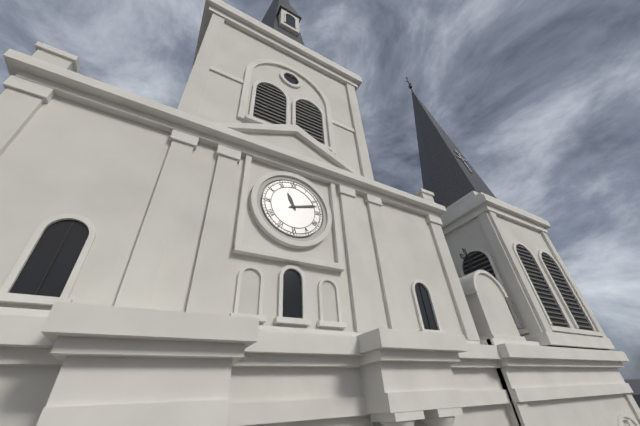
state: 11:12
